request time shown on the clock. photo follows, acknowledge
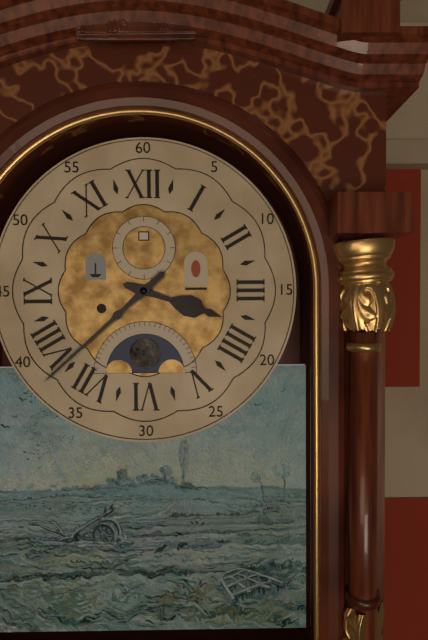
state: 3:38
